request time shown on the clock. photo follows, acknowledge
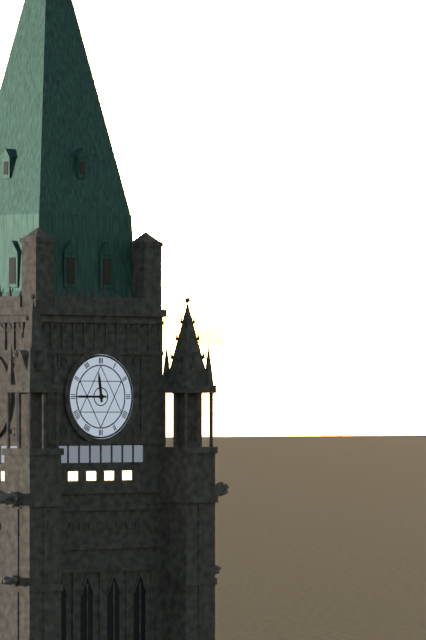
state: 11:45
